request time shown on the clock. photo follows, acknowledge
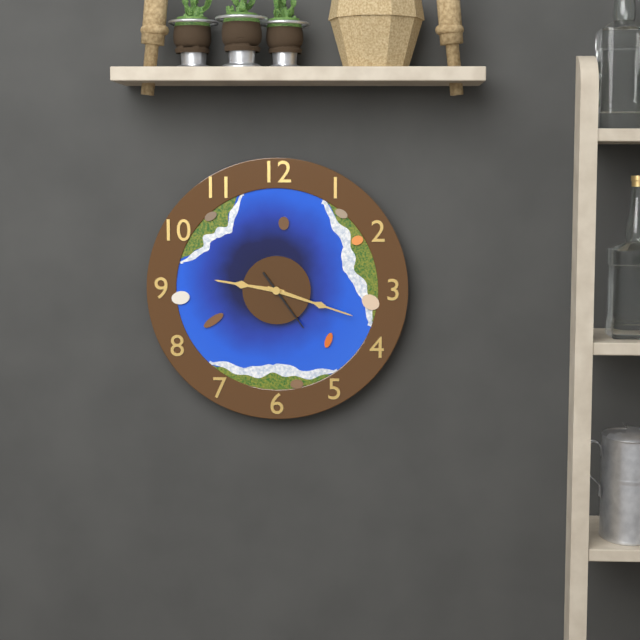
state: 9:18:24
